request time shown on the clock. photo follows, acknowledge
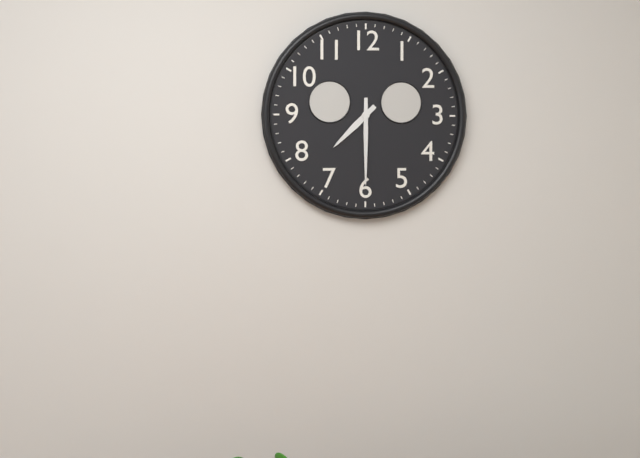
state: 7:30
